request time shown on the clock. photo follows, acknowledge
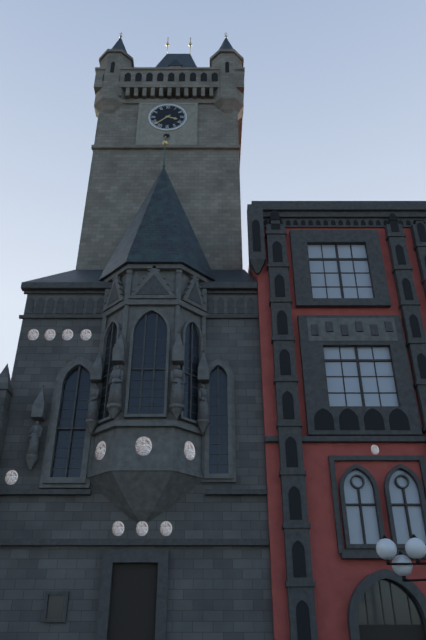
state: 3:38
